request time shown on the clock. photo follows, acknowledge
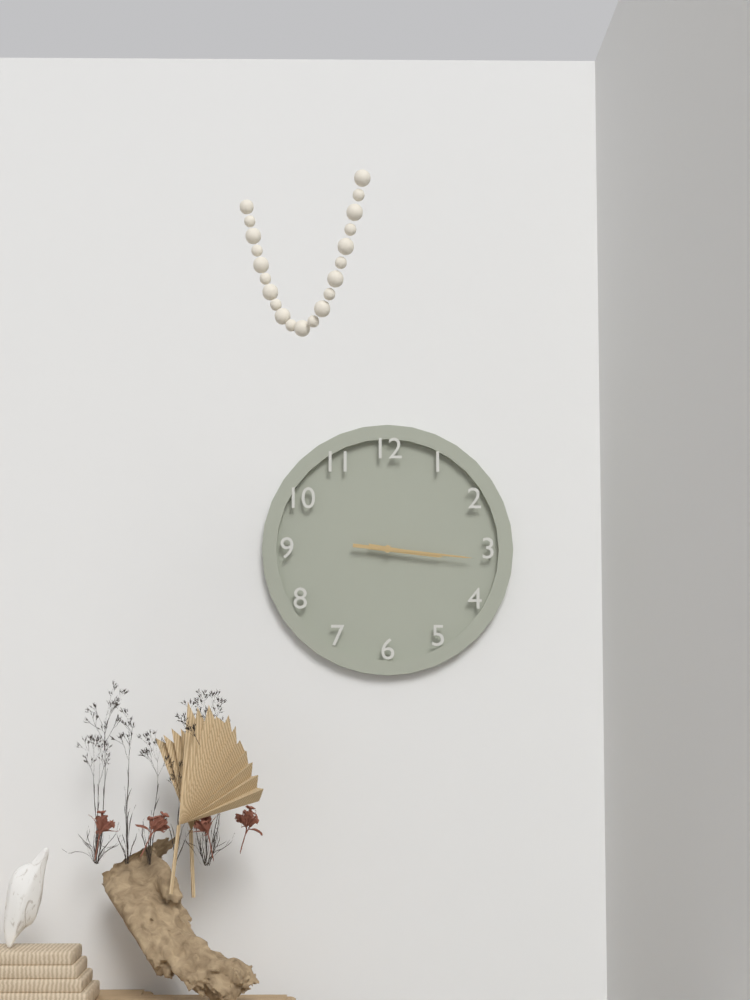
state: 3:16
